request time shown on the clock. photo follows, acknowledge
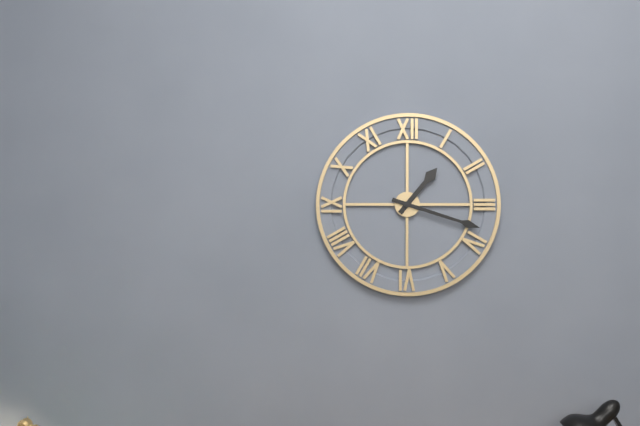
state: 1:18
